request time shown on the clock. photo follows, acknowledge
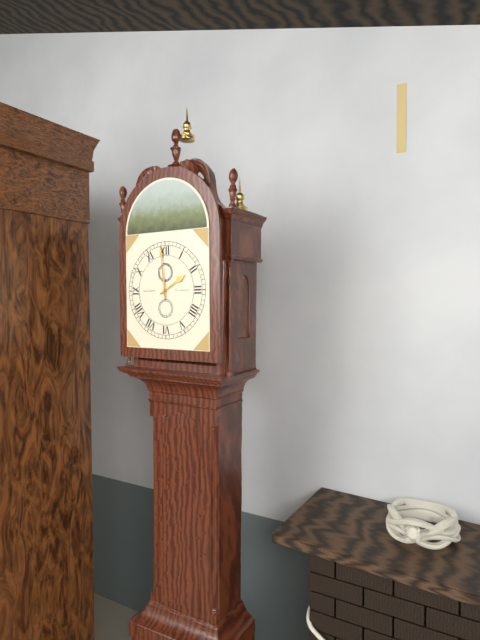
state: 1:59
